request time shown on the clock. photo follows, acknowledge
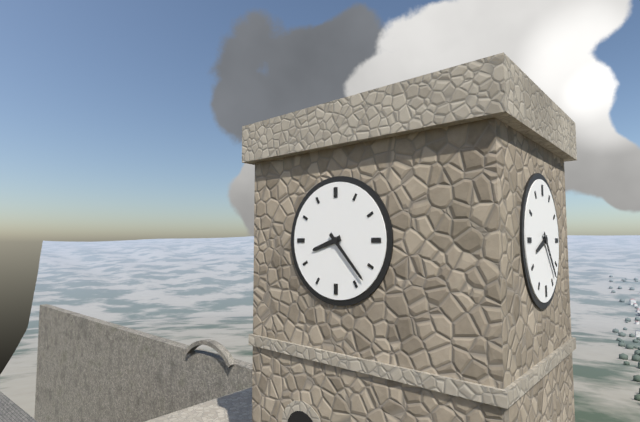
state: 8:23
